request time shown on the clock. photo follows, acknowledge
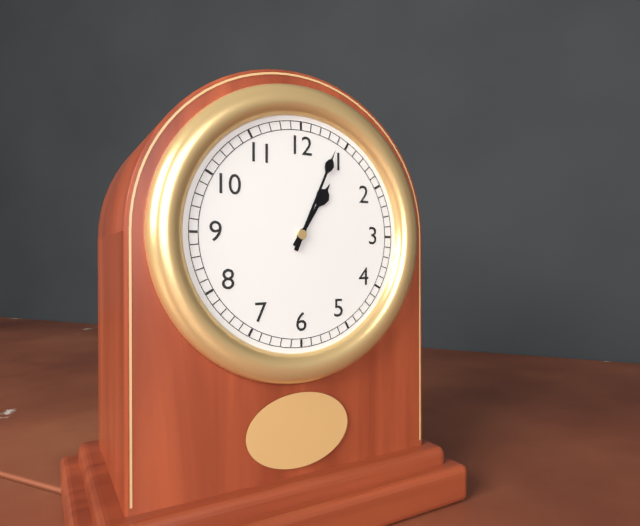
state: 1:04
